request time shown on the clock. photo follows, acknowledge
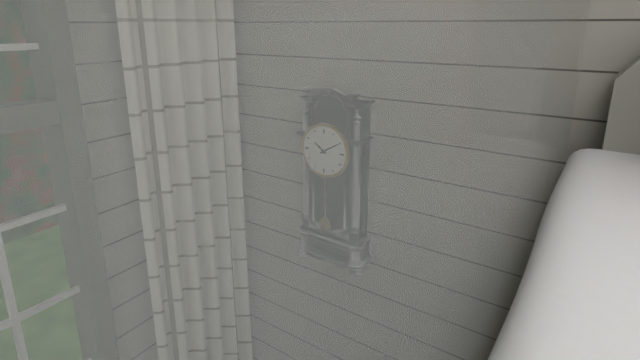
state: 10:10
